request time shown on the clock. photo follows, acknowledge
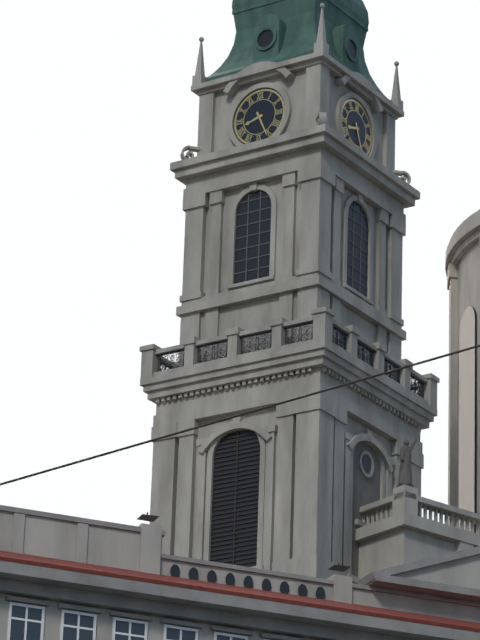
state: 8:26
